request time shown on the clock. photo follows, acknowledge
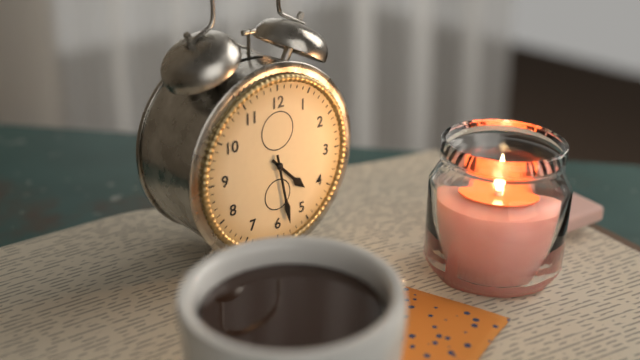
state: 4:28
